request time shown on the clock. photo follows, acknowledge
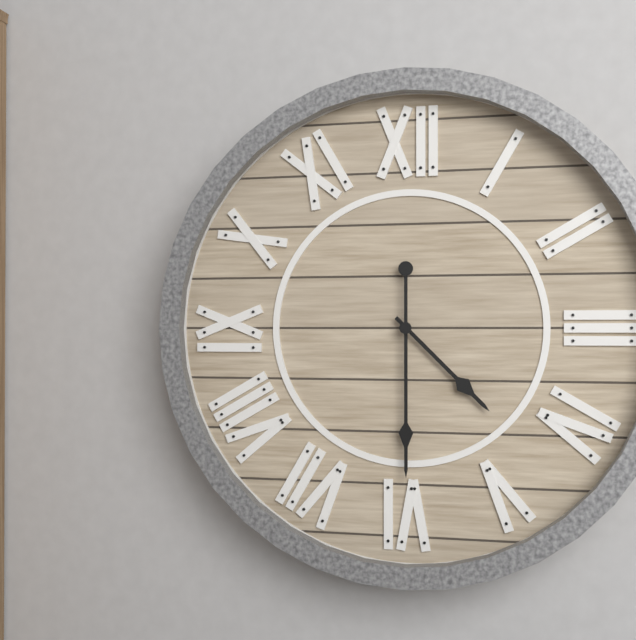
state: 4:30
